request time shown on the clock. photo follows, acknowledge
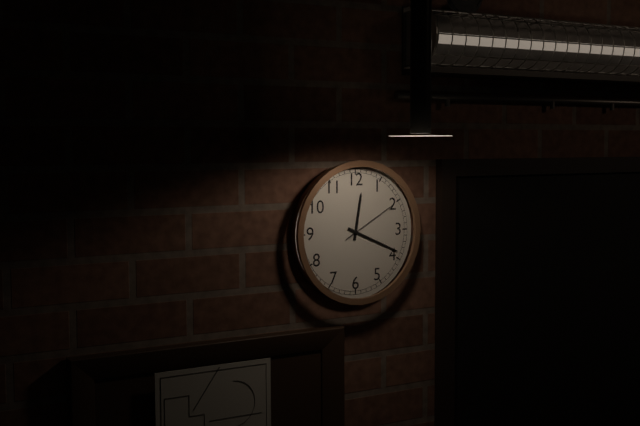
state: 12:19:10
